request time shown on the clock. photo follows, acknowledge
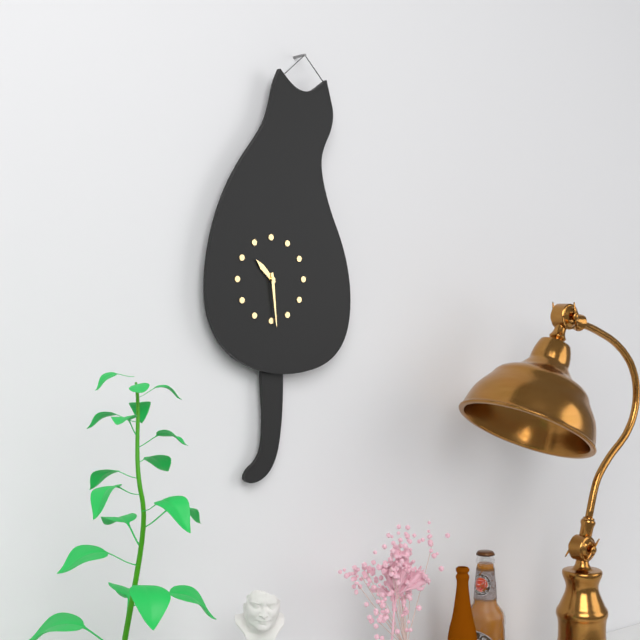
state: 10:29
